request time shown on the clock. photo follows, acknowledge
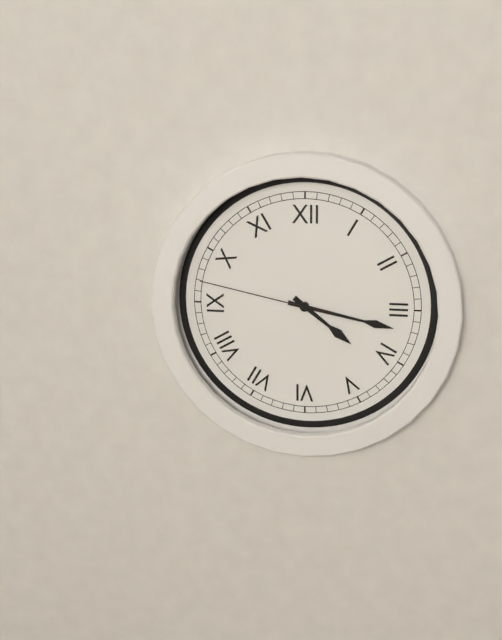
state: 4:17:47
